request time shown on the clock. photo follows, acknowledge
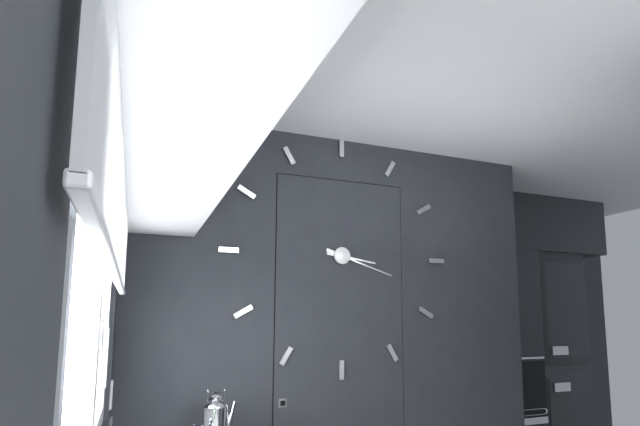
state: 3:18
